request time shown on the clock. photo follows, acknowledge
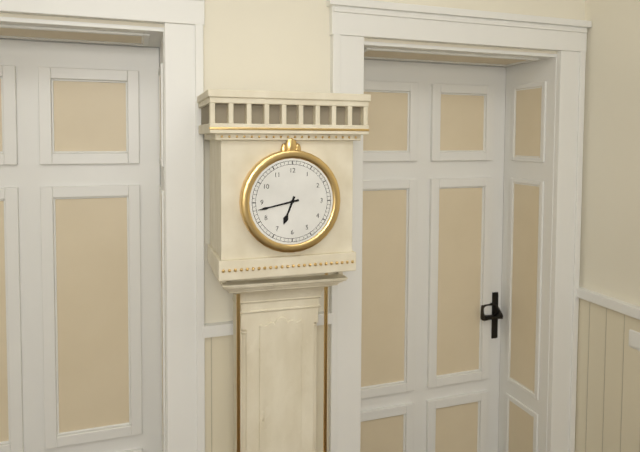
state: 6:43
